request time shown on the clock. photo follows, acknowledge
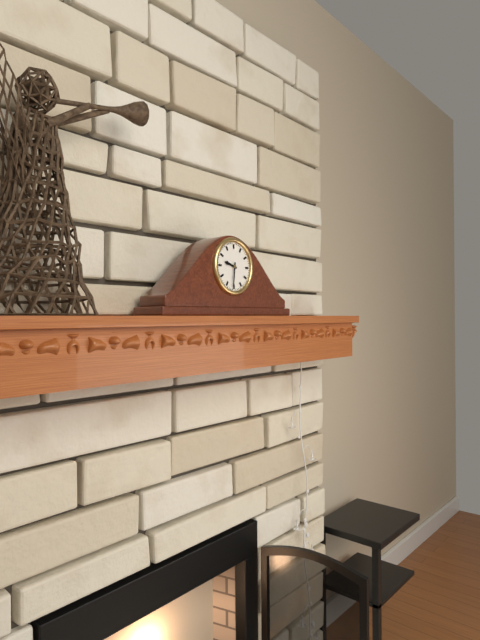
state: 9:31
